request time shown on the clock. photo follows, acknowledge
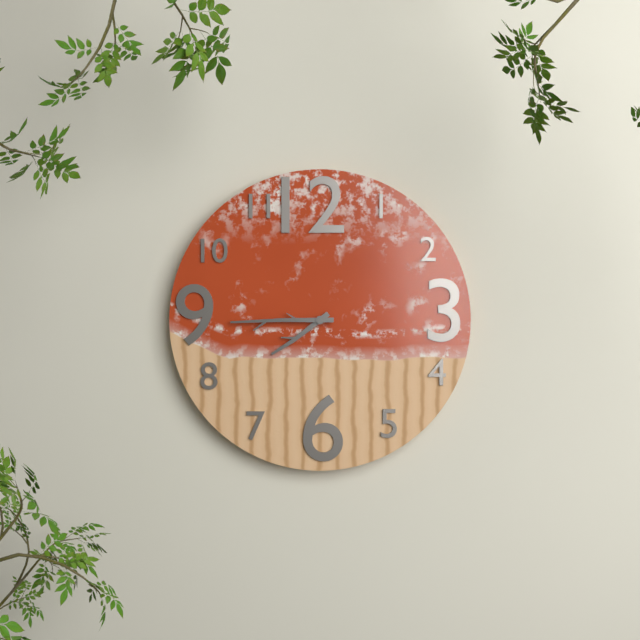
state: 7:45
